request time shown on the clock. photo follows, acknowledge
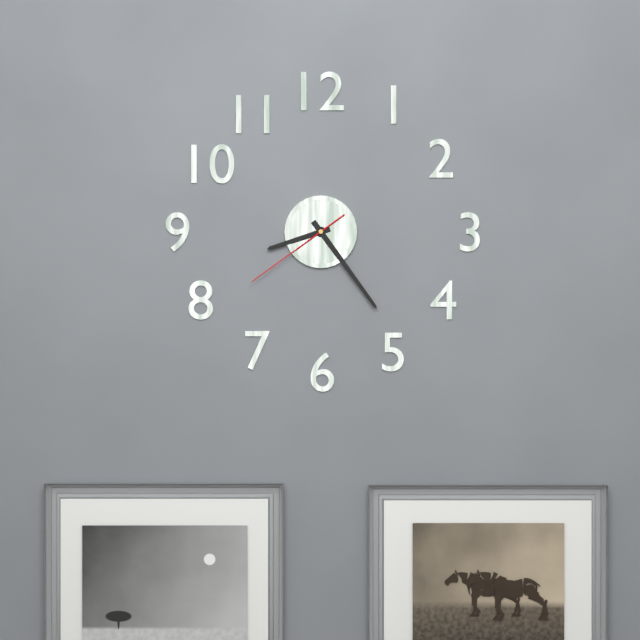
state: 8:24:39
